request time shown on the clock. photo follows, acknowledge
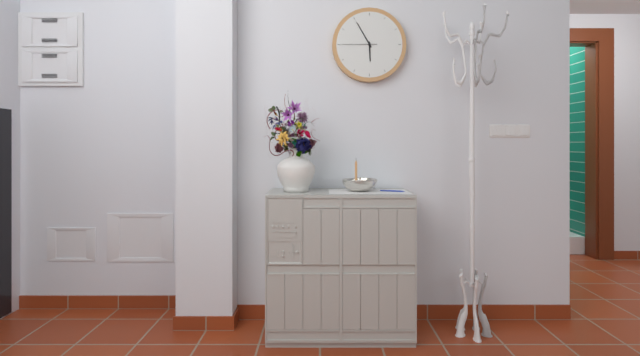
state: 5:55
